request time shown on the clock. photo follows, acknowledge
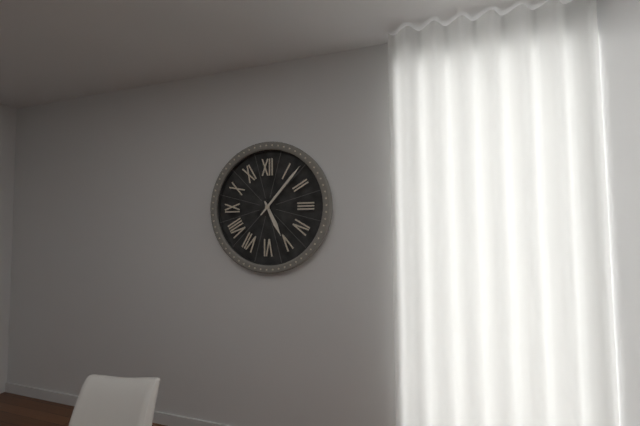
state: 5:07
